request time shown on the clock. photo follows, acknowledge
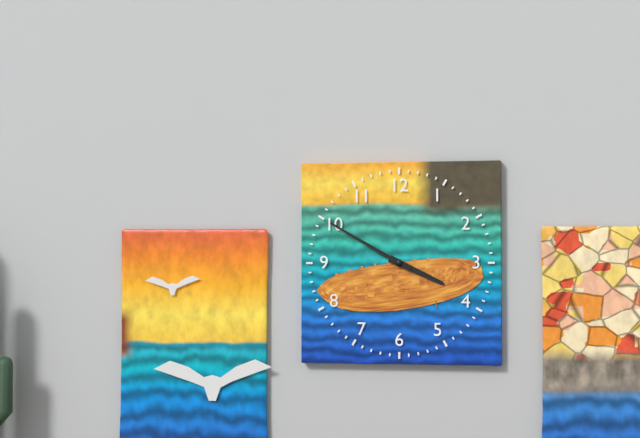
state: 3:50
